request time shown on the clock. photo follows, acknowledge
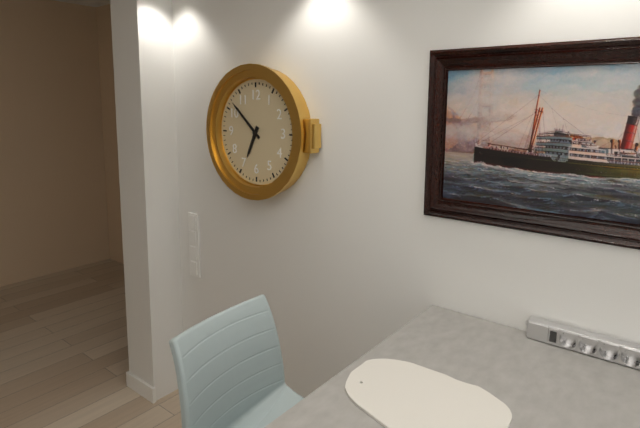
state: 6:52
